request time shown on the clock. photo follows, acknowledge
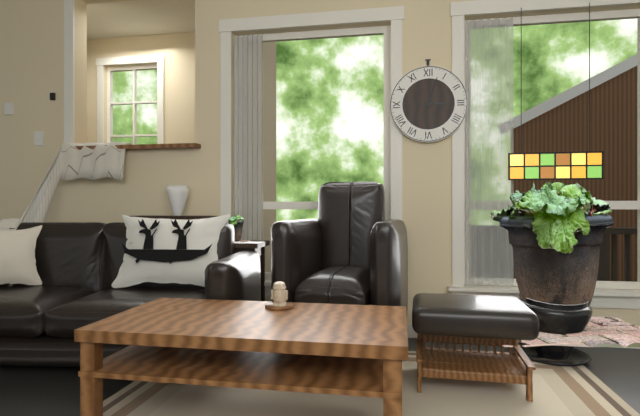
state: 3:03
